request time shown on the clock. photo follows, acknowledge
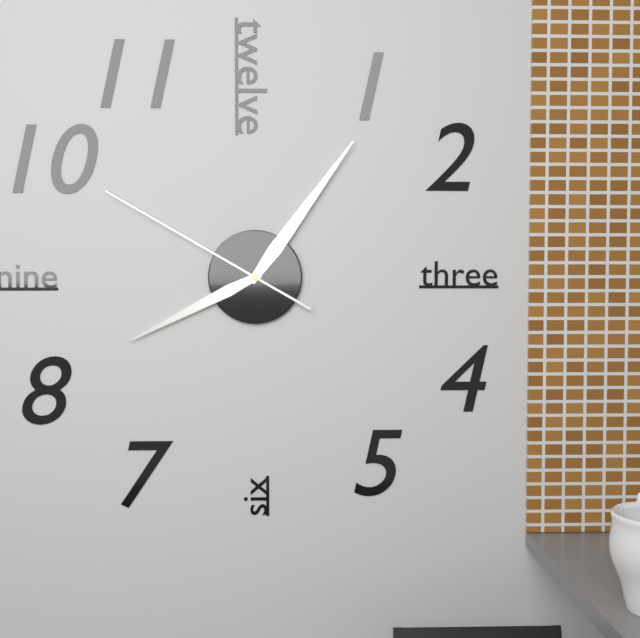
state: 8:06:50
